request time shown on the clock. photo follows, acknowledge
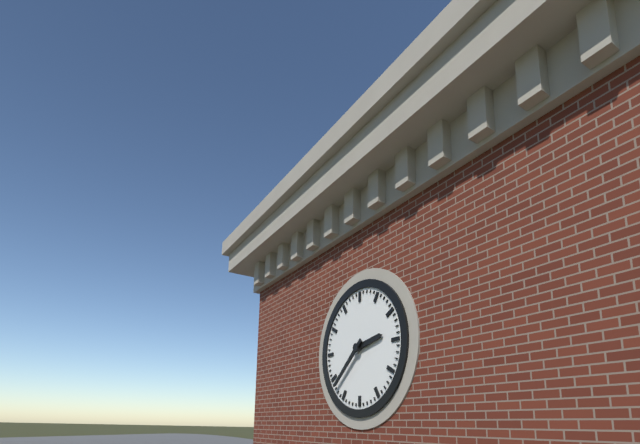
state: 2:38
